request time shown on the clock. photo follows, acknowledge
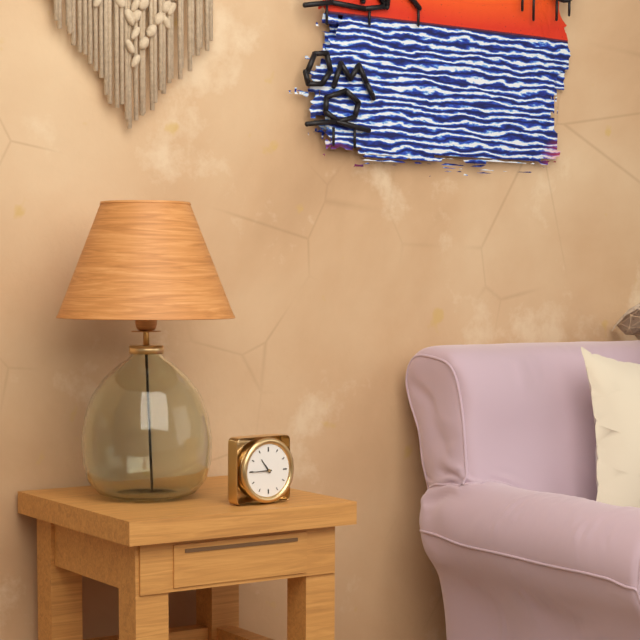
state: 10:45
